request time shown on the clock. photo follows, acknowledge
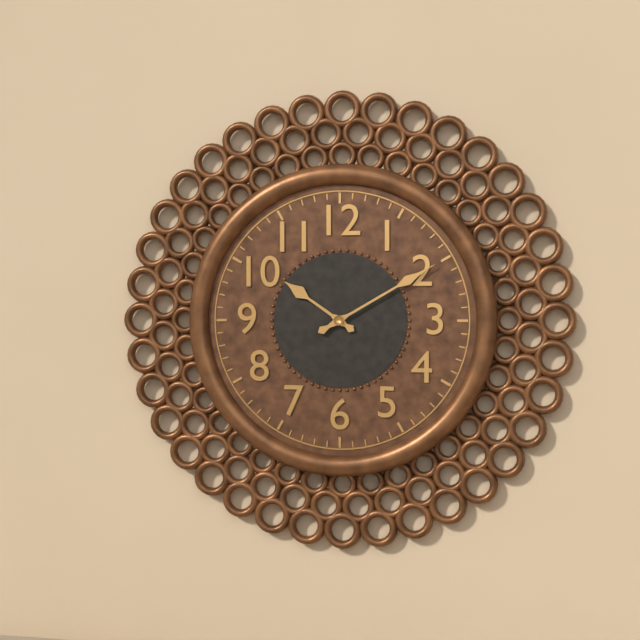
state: 10:10
